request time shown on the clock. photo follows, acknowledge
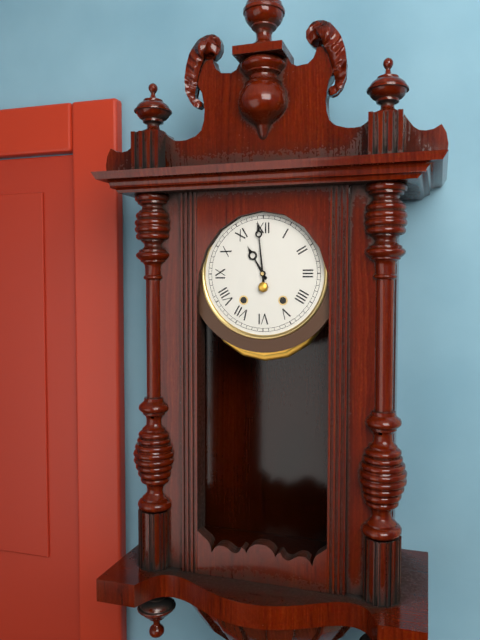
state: 10:59
